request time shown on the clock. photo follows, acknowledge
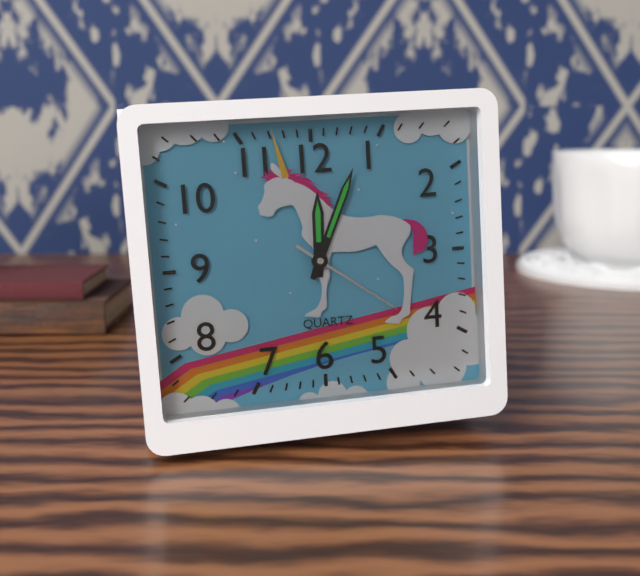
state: 12:04:21
